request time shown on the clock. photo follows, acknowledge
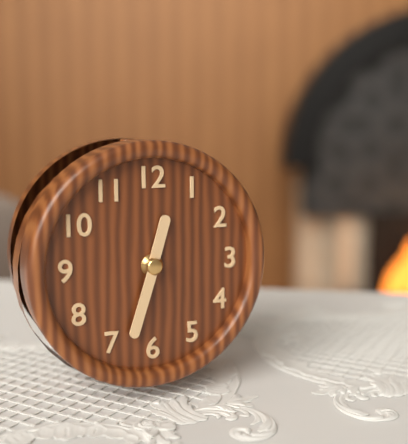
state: 12:33
